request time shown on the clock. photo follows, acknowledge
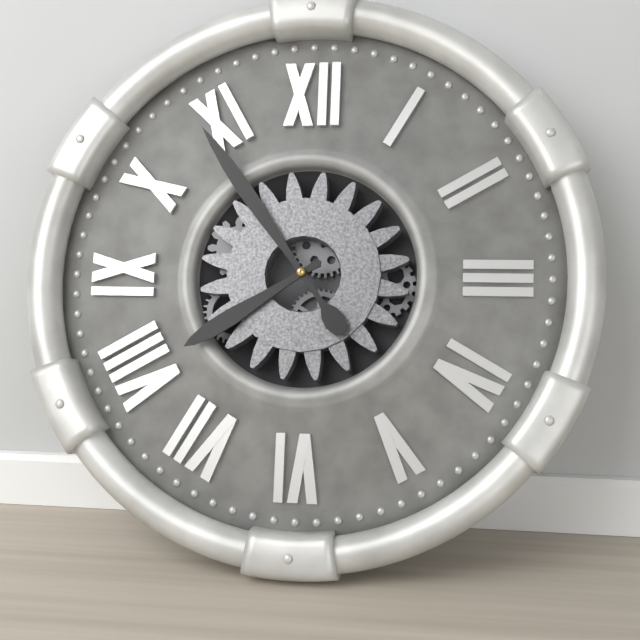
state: 7:54
